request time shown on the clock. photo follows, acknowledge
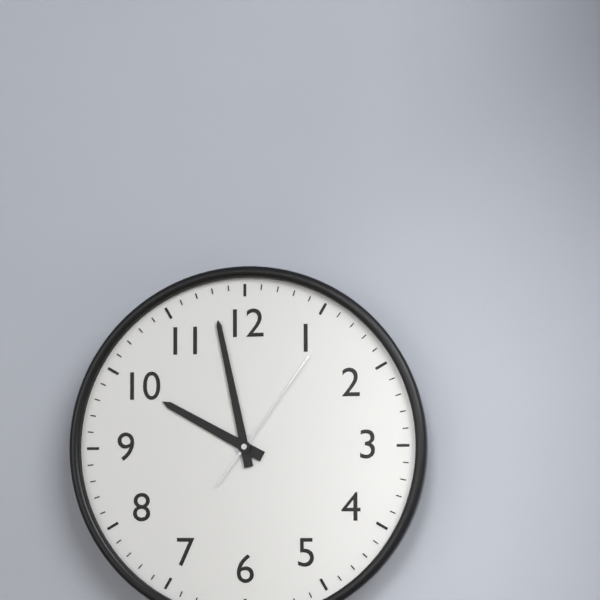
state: 9:58:06
